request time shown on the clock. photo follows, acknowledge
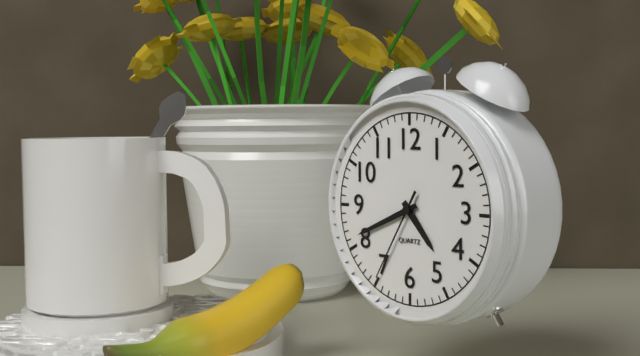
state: 4:41:35
